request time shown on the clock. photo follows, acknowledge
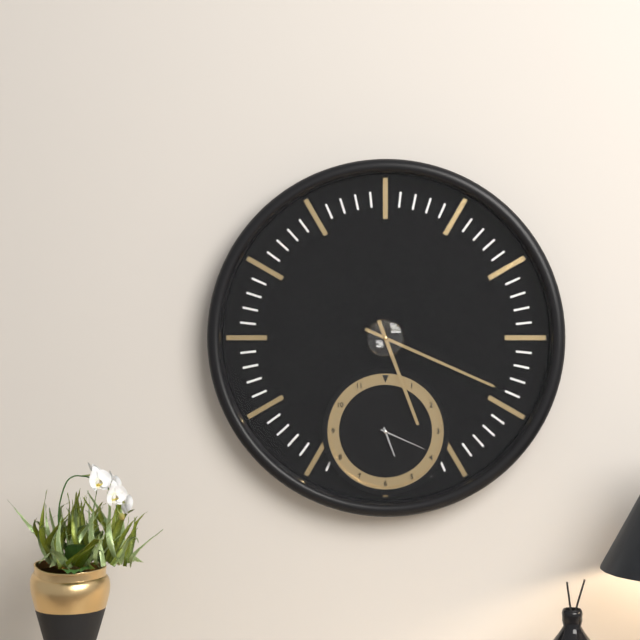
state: 5:19
